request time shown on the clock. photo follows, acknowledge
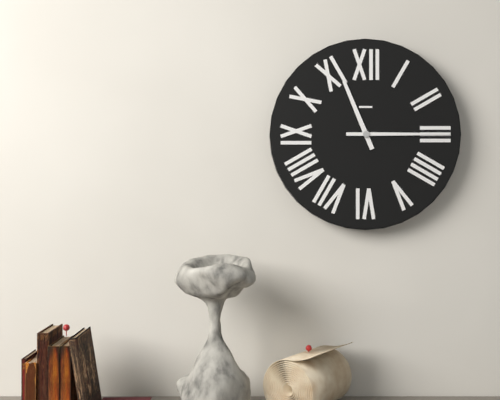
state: 11:15
